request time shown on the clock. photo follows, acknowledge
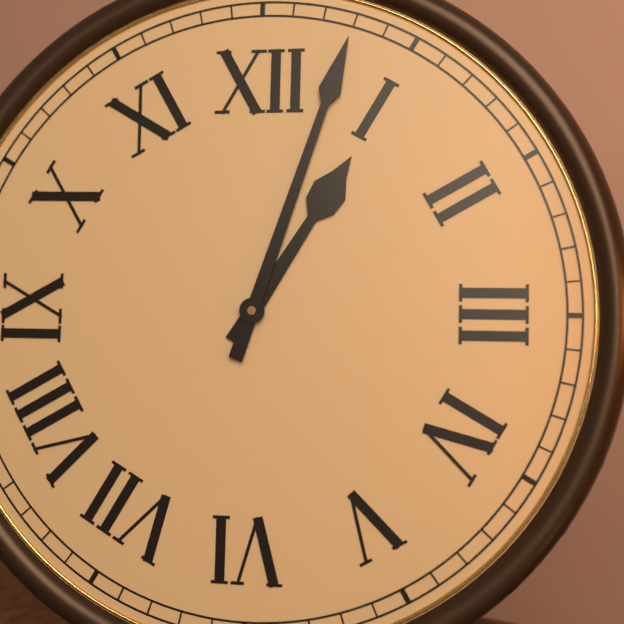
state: 1:03
